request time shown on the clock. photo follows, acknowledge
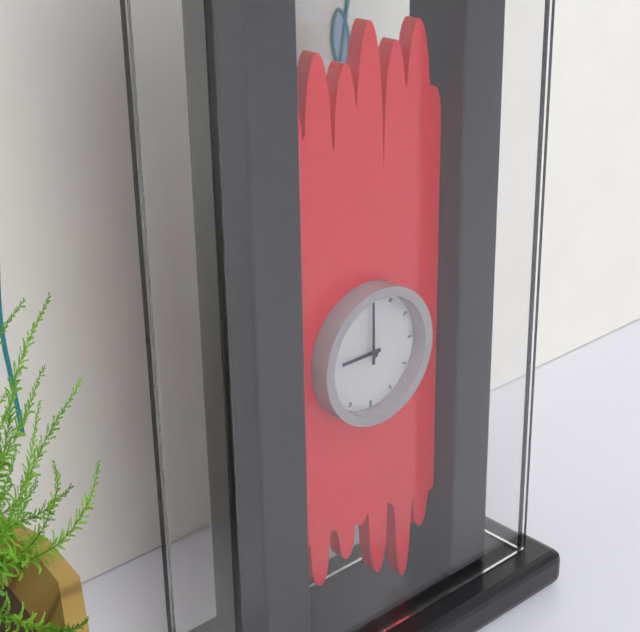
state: 9:00
